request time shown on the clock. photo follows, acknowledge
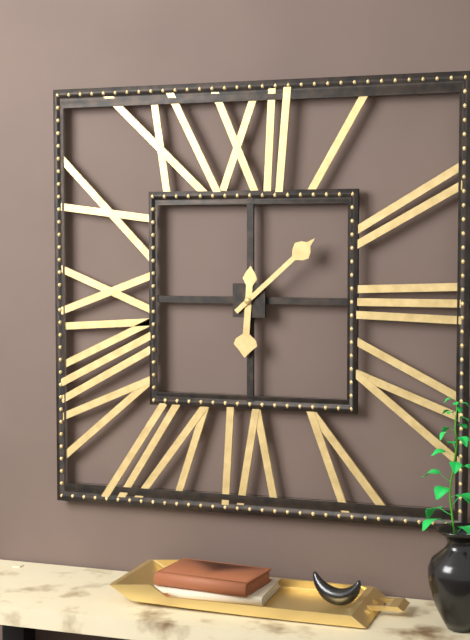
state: 6:08
